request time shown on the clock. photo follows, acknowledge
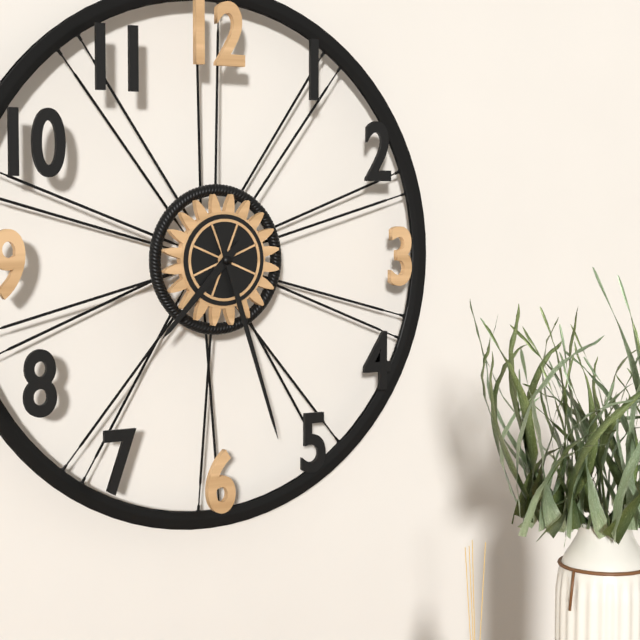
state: 7:27
